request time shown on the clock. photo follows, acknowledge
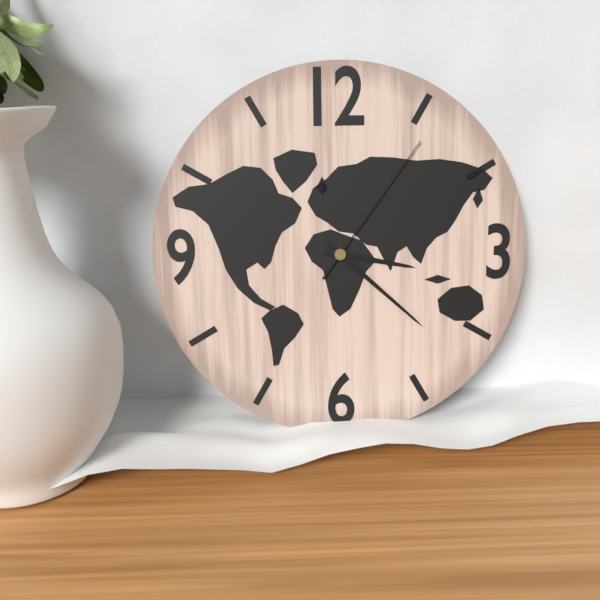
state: 3:22:06
